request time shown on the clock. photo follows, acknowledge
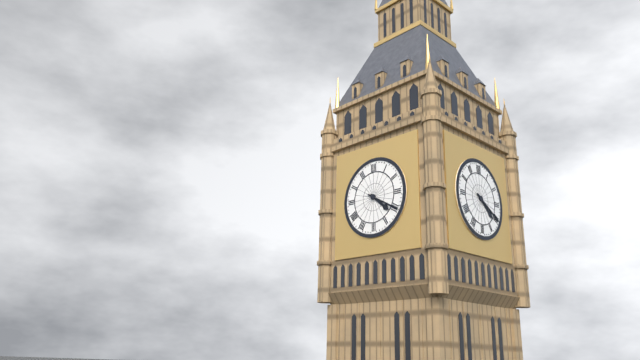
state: 4:20
